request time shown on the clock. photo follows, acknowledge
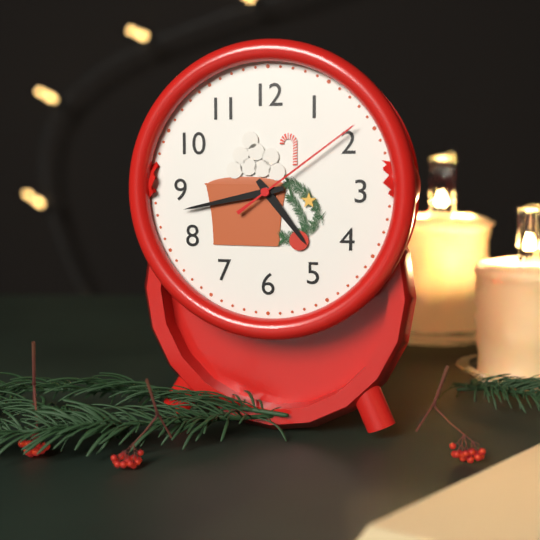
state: 4:43:09
